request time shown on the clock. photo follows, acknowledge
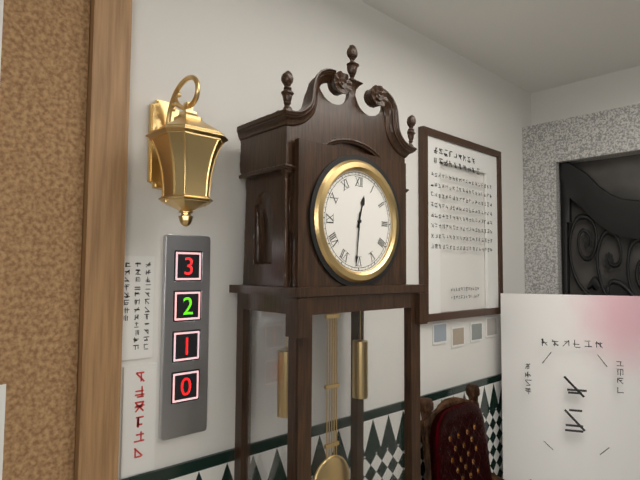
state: 12:31
